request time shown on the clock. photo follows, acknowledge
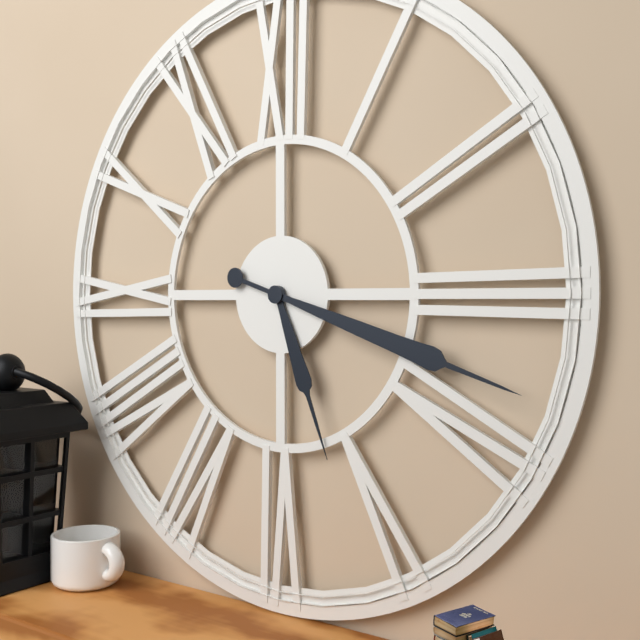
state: 5:18
